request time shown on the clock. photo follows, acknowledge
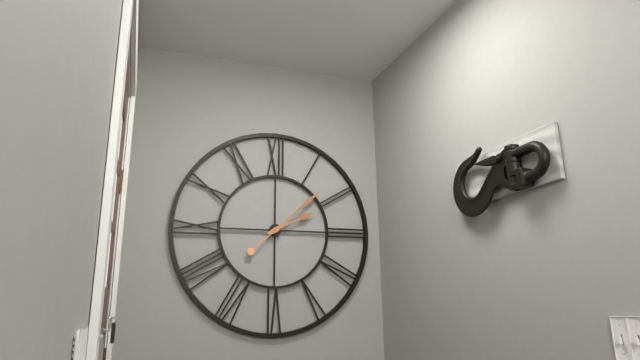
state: 2:08
